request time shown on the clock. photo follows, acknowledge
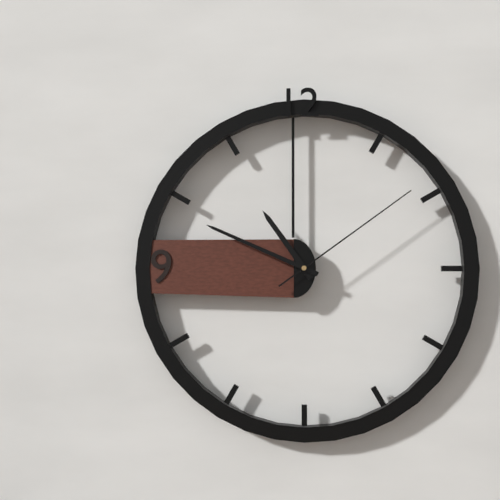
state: 10:49:09
